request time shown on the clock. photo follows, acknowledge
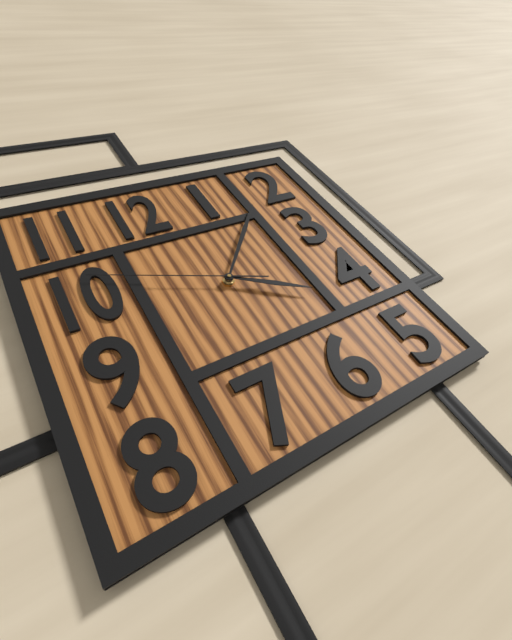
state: 4:07:49
